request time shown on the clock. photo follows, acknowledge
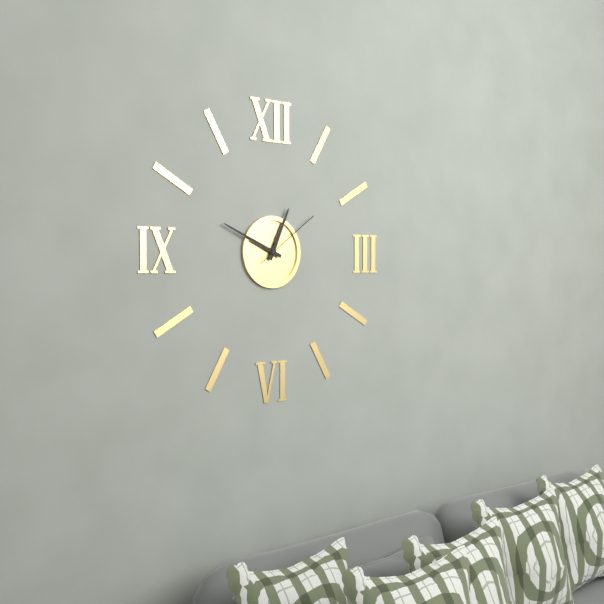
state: 12:49:09
